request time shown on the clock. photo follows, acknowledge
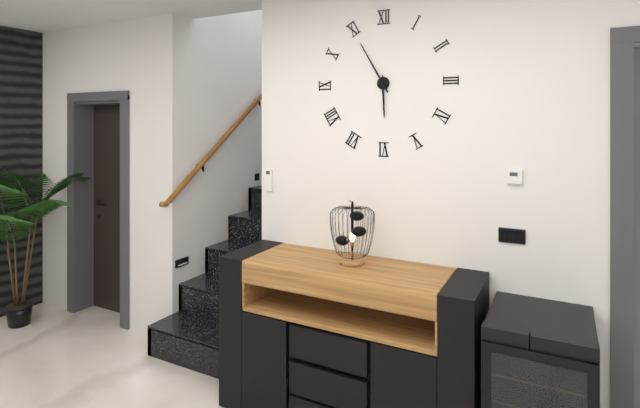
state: 5:55
